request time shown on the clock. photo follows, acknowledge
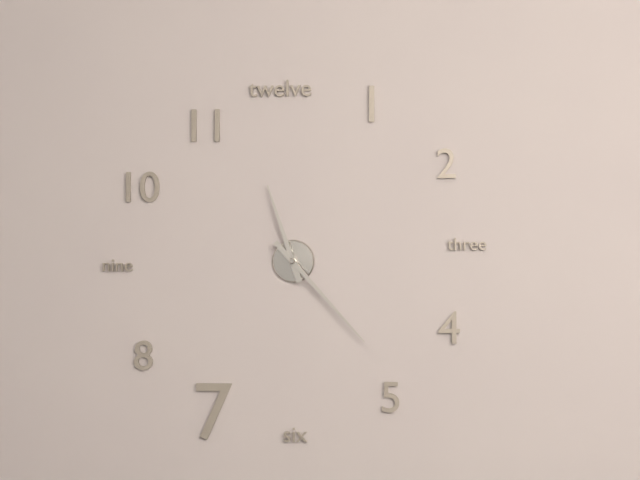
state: 11:23
